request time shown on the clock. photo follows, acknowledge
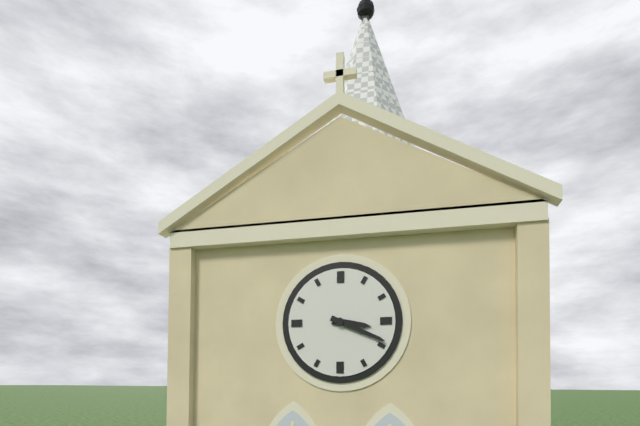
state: 3:19
